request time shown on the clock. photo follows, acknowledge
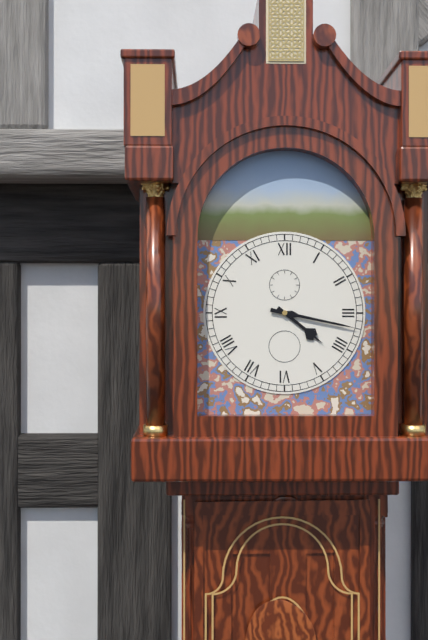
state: 4:17
